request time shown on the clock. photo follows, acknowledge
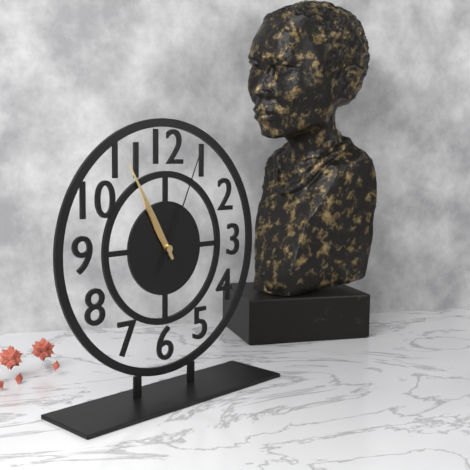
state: 10:55:04
